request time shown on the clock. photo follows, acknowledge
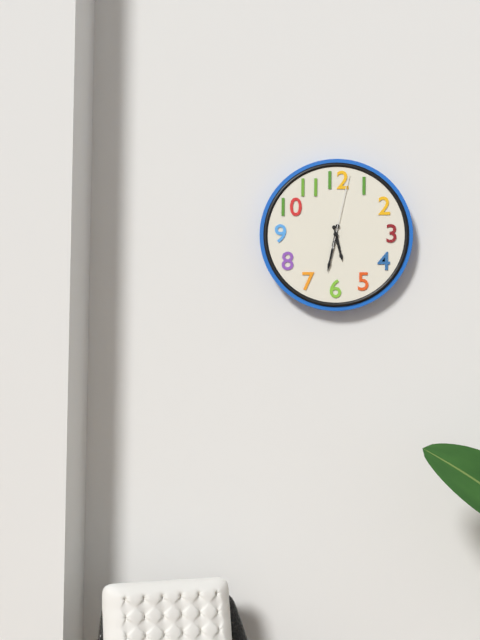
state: 5:32:02
